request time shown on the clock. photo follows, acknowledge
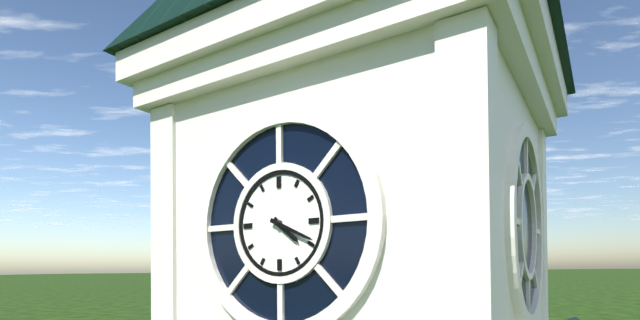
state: 4:19
